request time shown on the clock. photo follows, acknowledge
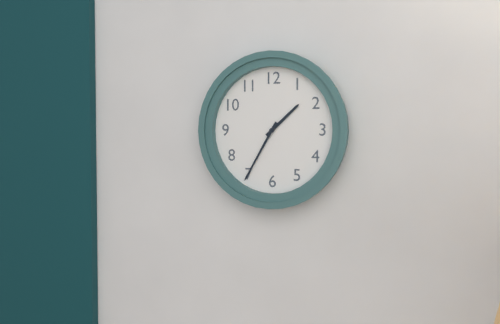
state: 1:35
